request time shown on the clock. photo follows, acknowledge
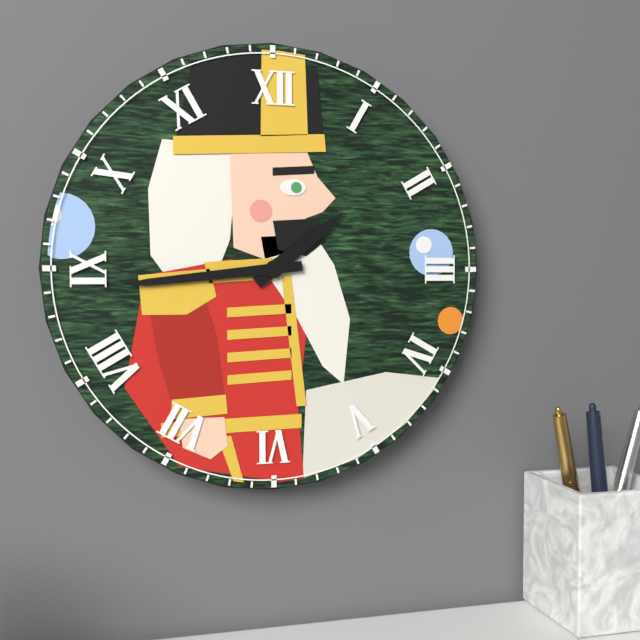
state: 1:44
